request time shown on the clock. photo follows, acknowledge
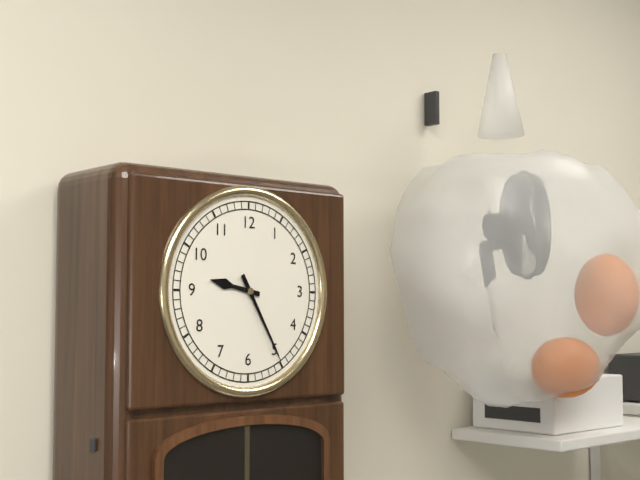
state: 9:25
